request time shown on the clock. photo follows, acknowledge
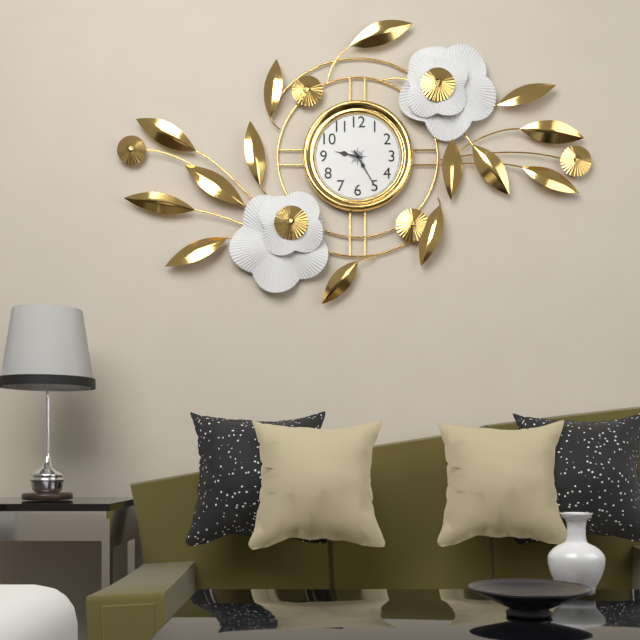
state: 9:25
